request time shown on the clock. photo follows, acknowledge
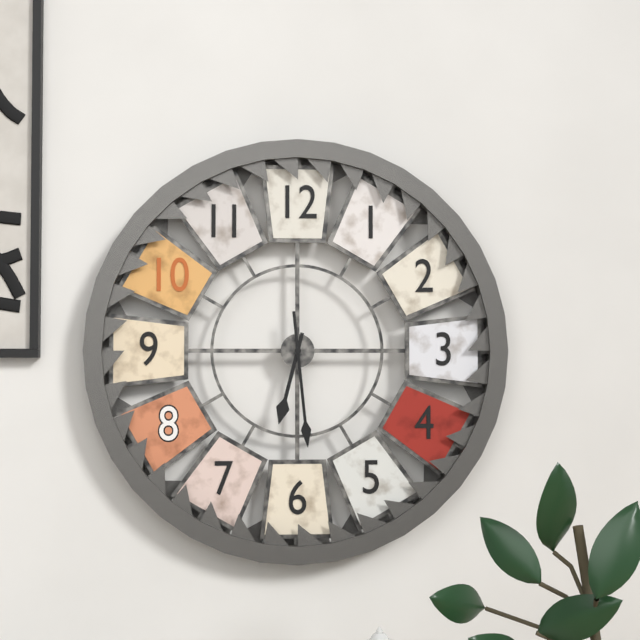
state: 6:29
